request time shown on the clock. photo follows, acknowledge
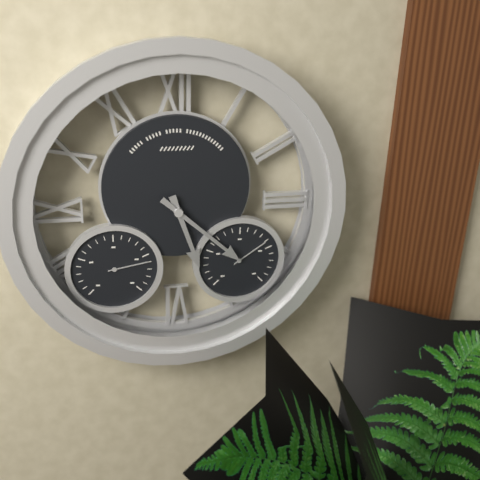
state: 5:22
